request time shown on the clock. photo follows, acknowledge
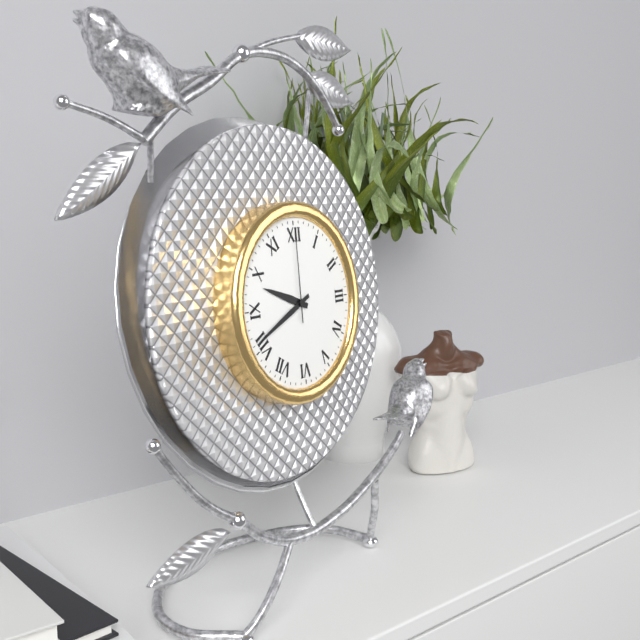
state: 9:41:00
